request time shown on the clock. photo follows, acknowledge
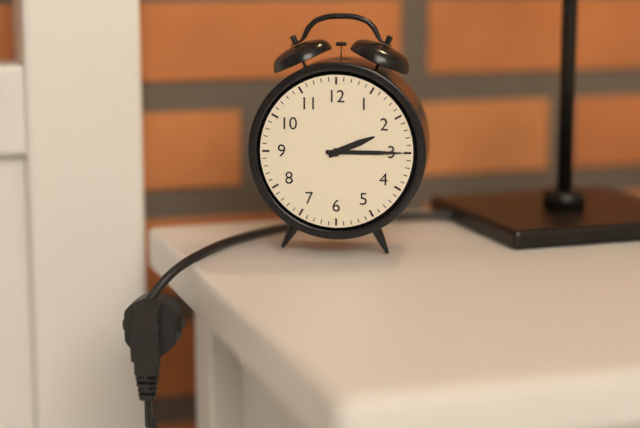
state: 2:15
